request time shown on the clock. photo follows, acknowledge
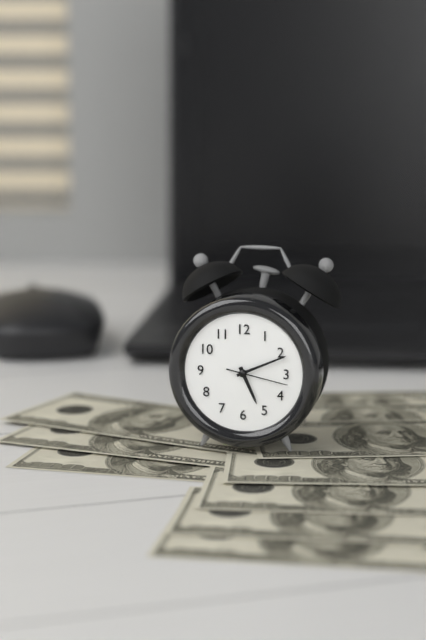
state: 5:11:17
